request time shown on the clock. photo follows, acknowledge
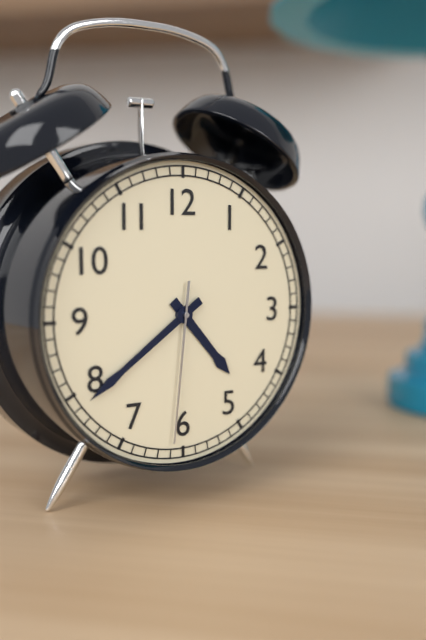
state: 4:39:31
